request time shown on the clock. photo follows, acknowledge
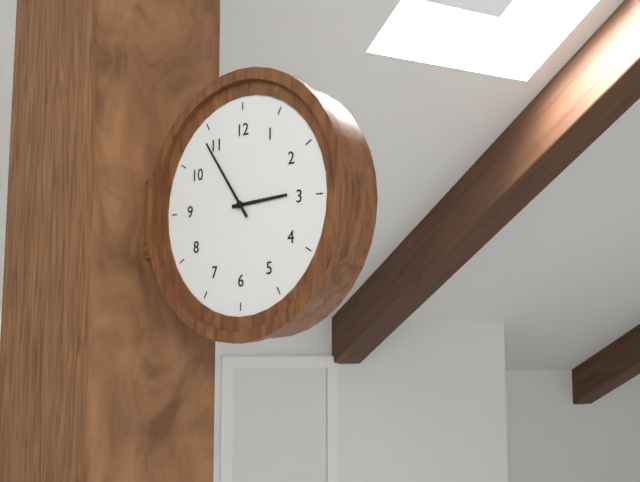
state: 2:54
